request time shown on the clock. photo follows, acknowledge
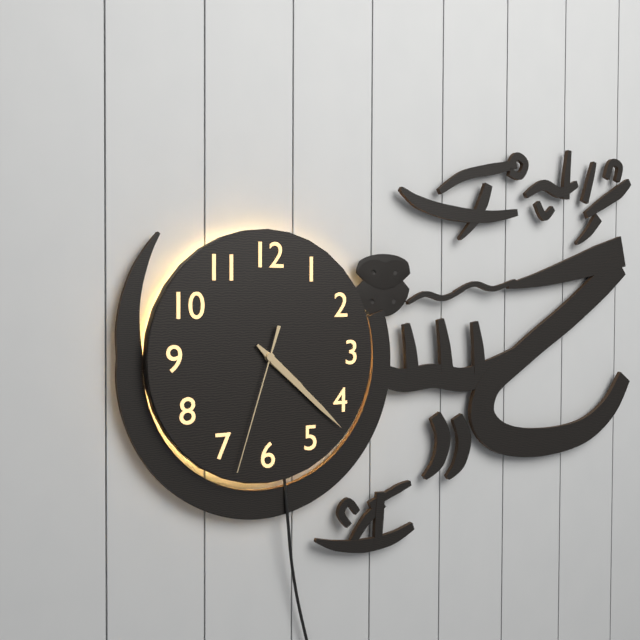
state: 4:22:33
